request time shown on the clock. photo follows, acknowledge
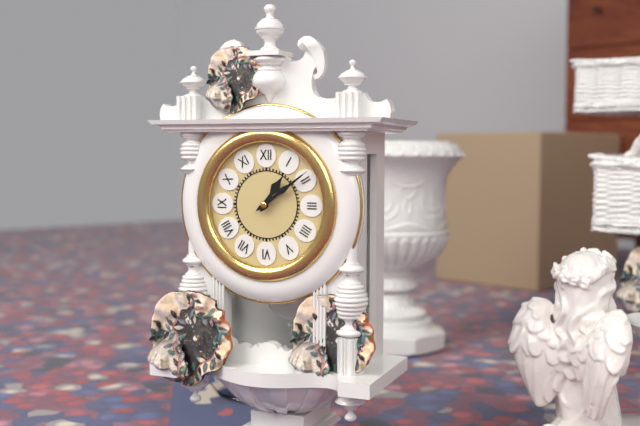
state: 1:09
